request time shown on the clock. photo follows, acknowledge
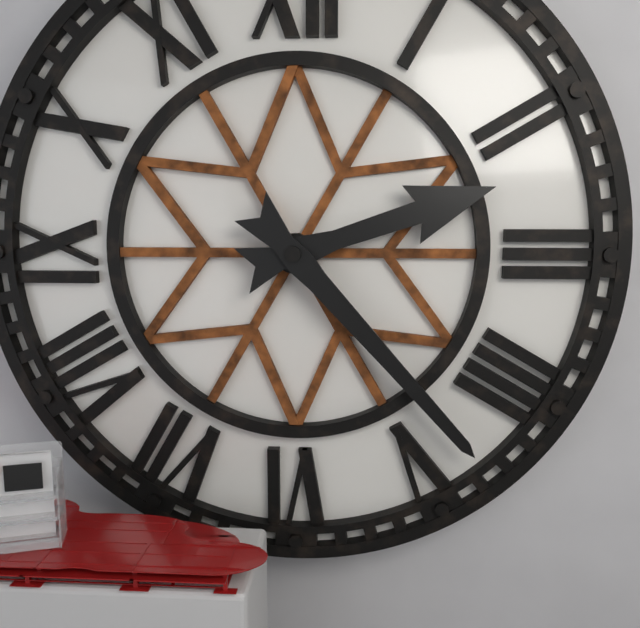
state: 2:23
